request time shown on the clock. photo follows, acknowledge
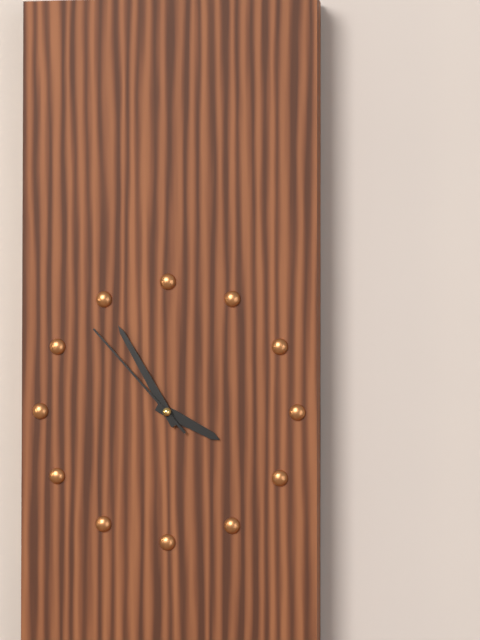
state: 3:55:53
